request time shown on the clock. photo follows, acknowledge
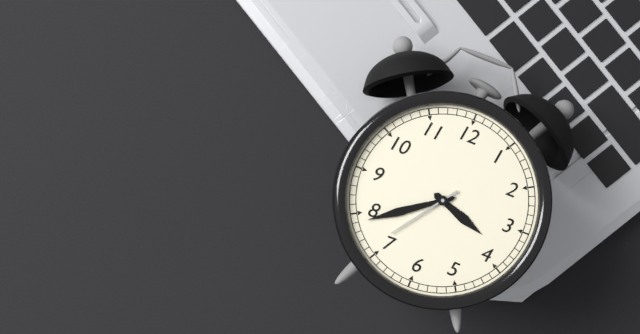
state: 3:39:36
